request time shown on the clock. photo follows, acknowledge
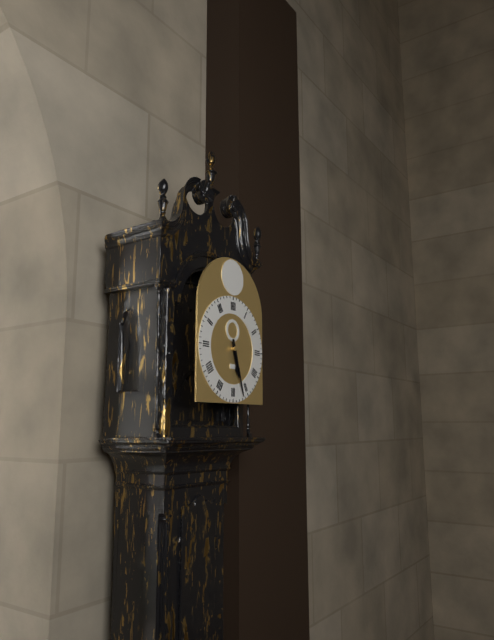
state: 5:27
